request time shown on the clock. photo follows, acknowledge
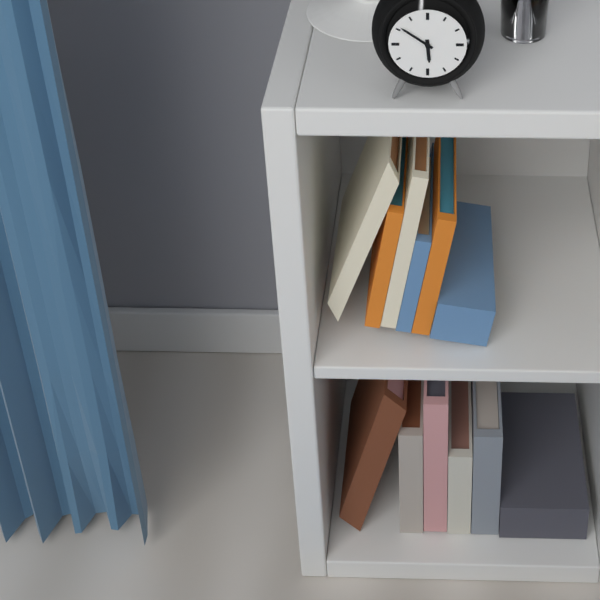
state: 5:51
